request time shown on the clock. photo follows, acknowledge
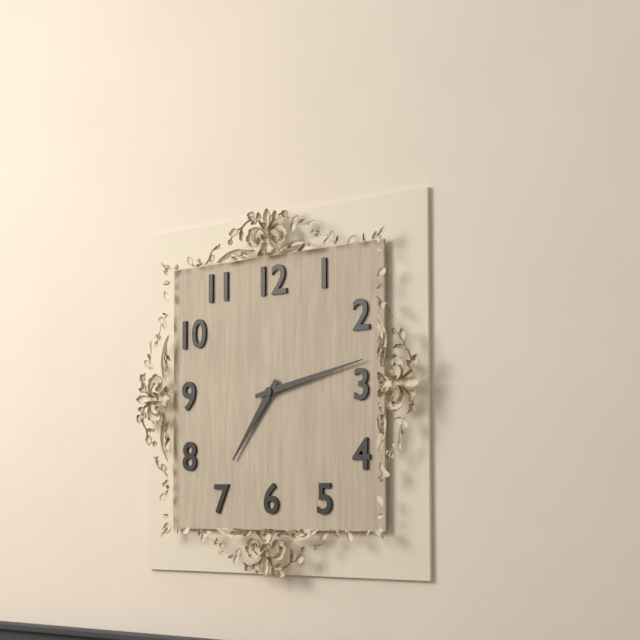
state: 7:13
